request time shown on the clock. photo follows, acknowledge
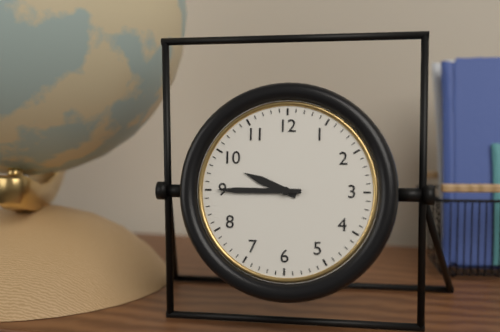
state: 9:45
